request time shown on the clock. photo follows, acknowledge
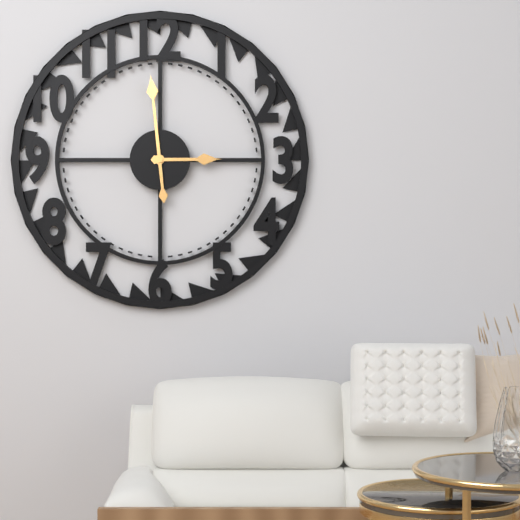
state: 2:59
